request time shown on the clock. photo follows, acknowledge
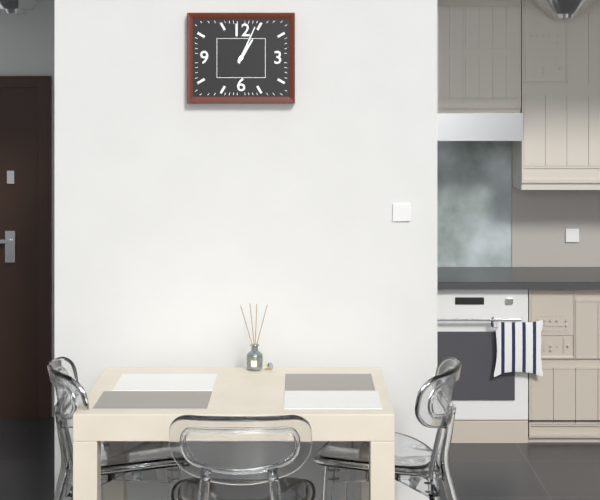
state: 1:04
